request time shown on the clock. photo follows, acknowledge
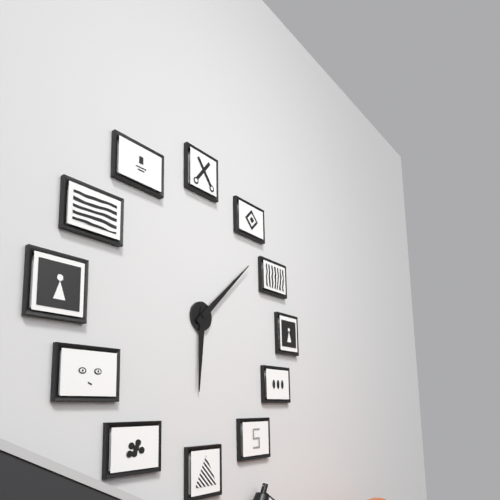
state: 6:08
